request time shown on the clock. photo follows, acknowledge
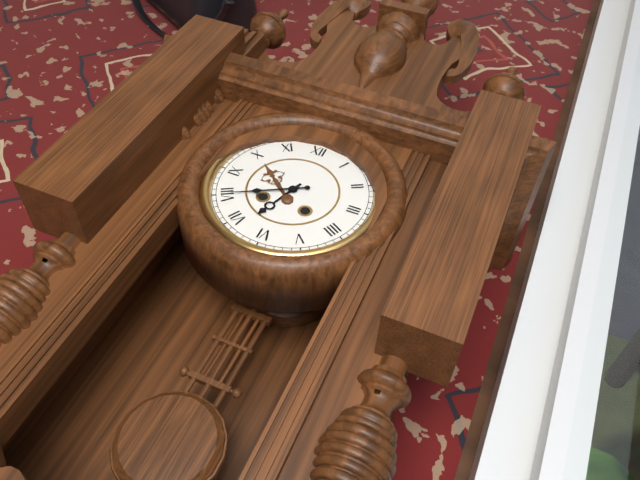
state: 6:40
